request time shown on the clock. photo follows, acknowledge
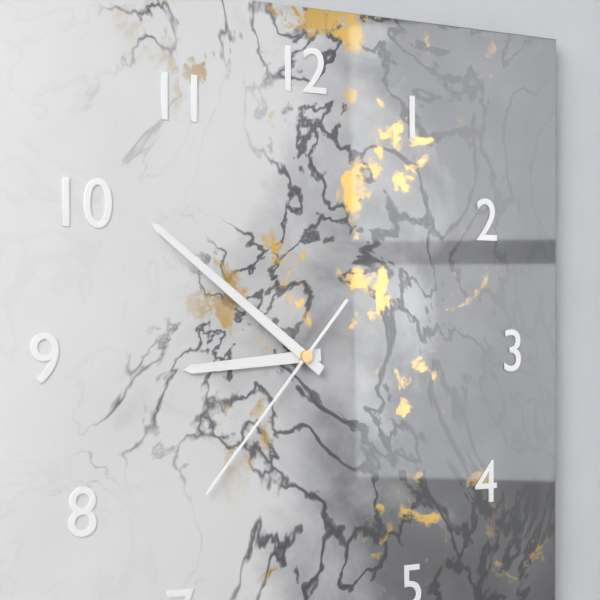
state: 8:51:37
